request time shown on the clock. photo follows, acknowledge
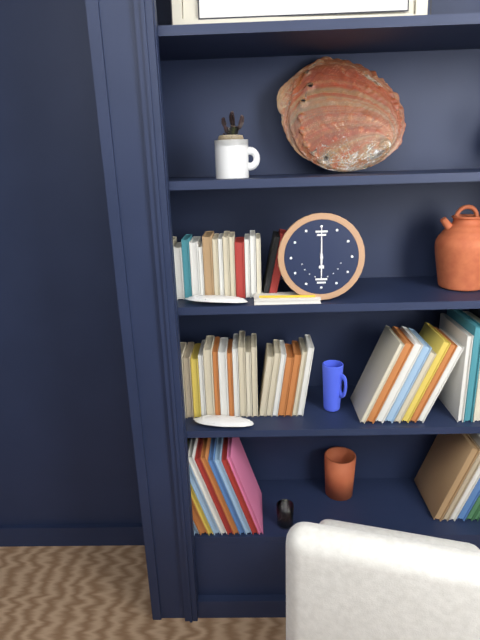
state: 6:00
